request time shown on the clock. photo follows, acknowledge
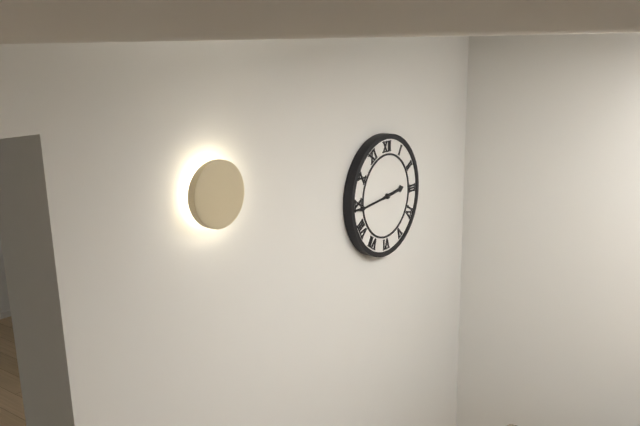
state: 2:44
